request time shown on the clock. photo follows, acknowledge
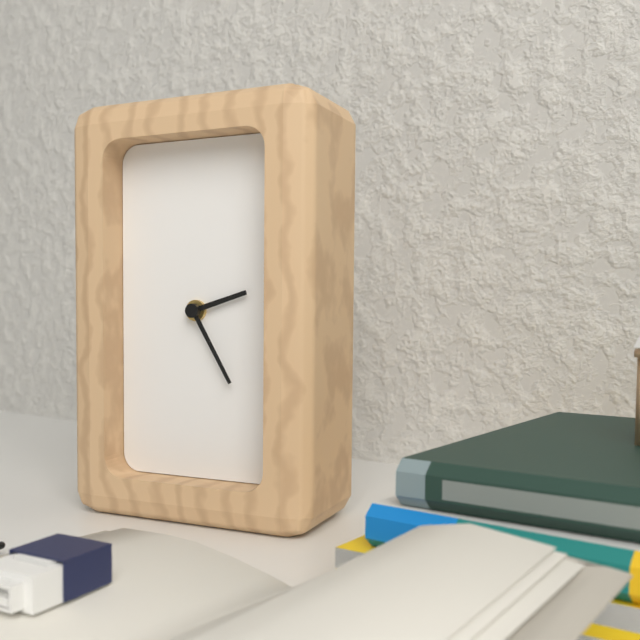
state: 2:25
